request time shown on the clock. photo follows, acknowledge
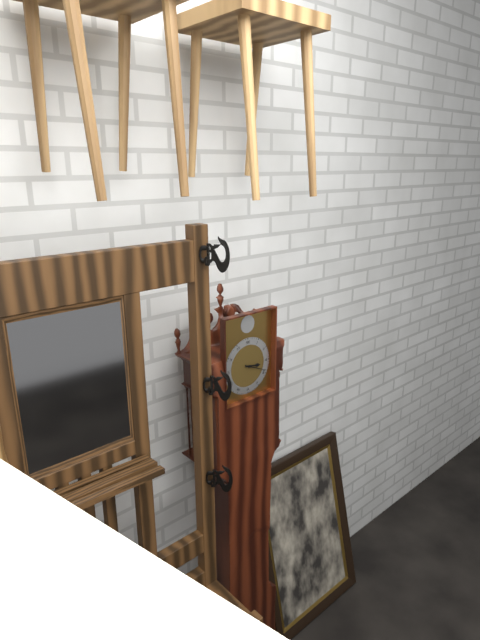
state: 3:19
